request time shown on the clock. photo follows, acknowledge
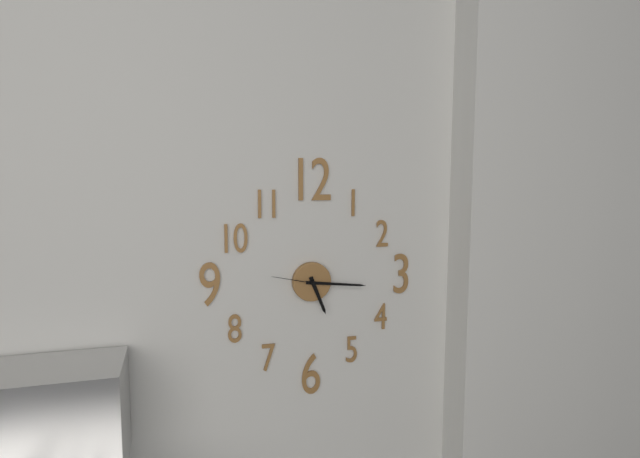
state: 5:16:47
